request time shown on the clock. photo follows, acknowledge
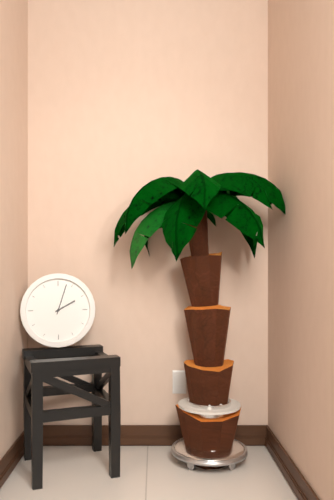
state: 2:03
